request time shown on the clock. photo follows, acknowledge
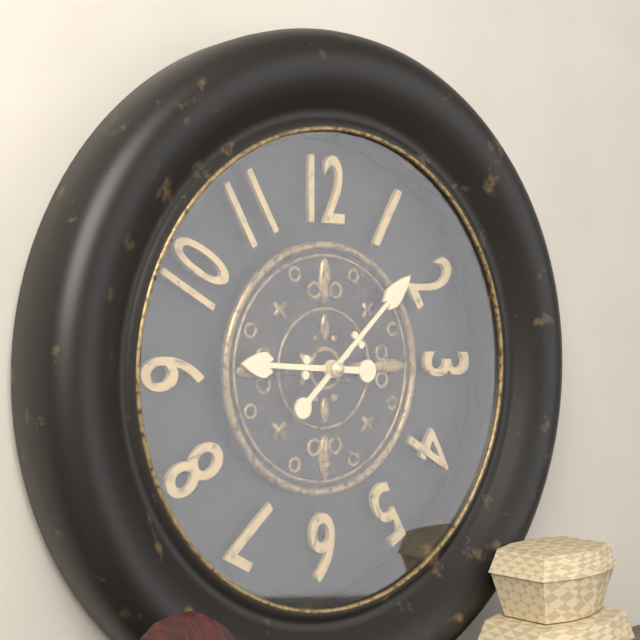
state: 9:08
